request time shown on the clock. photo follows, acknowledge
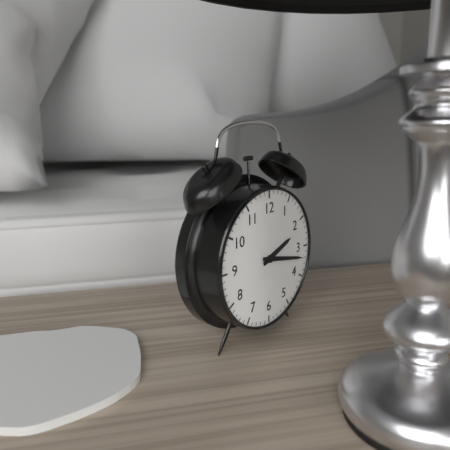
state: 2:17
